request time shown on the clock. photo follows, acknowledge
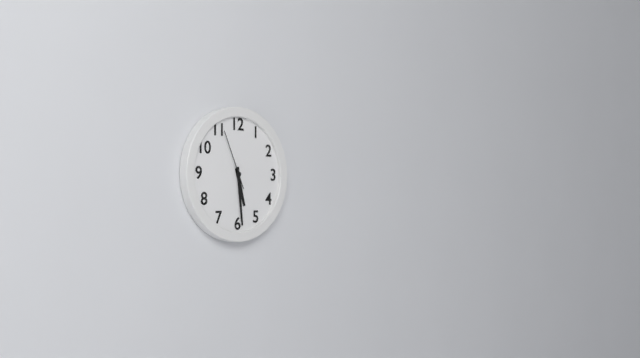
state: 5:29:56
